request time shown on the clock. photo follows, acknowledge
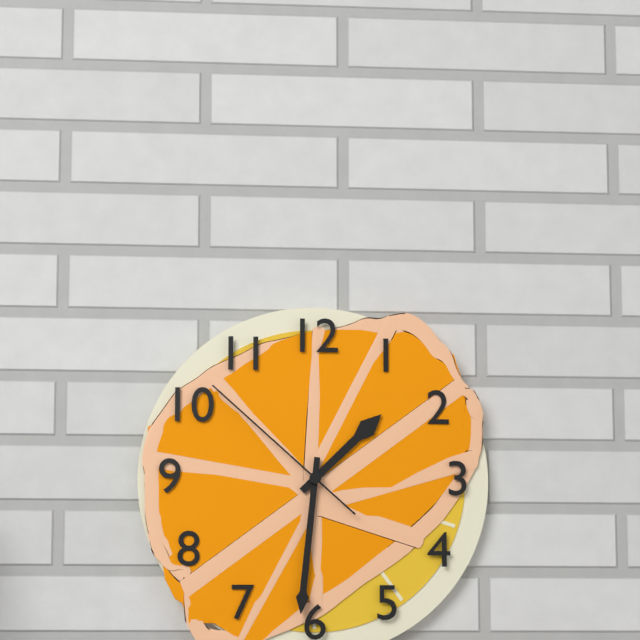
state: 1:31:52
